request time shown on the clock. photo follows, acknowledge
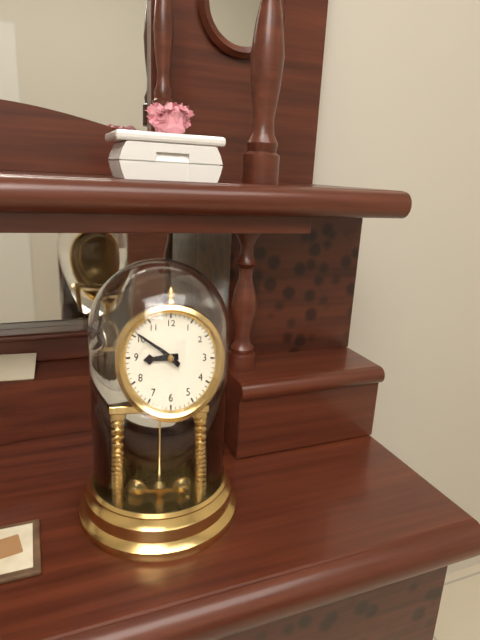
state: 8:51
